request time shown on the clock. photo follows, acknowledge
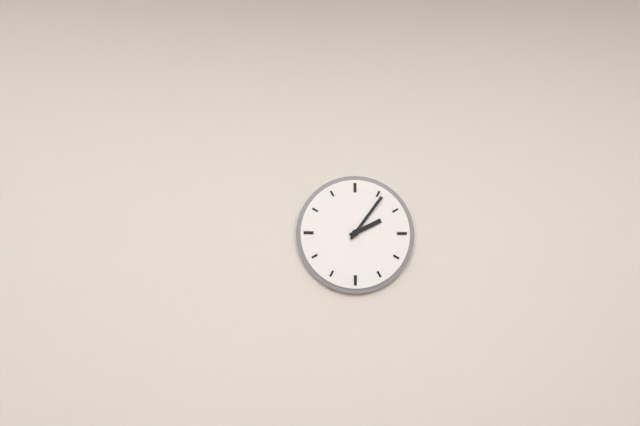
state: 2:06
